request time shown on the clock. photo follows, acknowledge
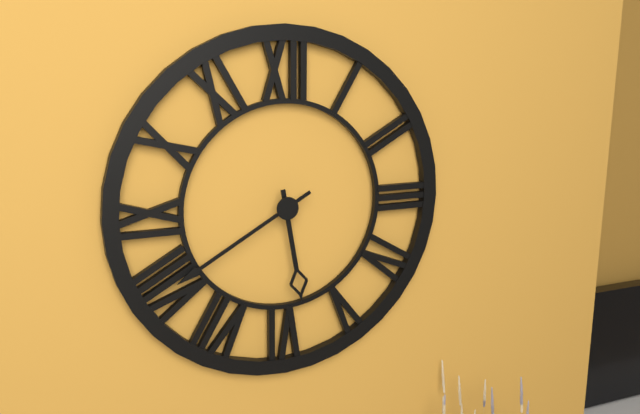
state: 5:40
